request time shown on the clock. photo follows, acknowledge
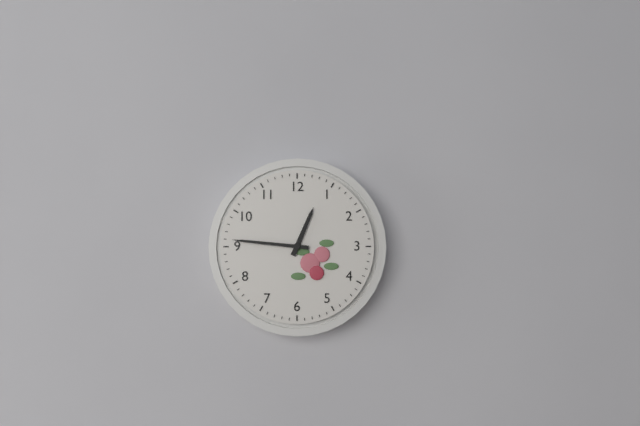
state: 12:46
